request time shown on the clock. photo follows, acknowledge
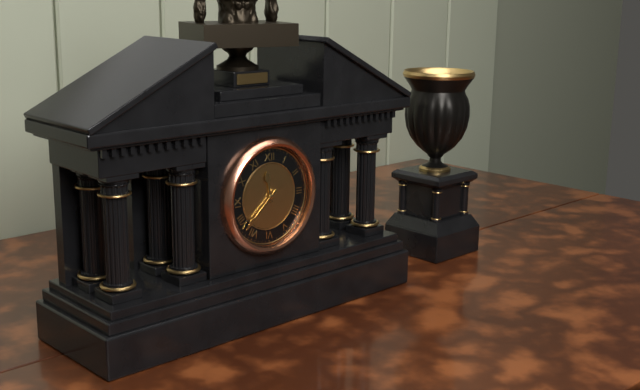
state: 11:38
